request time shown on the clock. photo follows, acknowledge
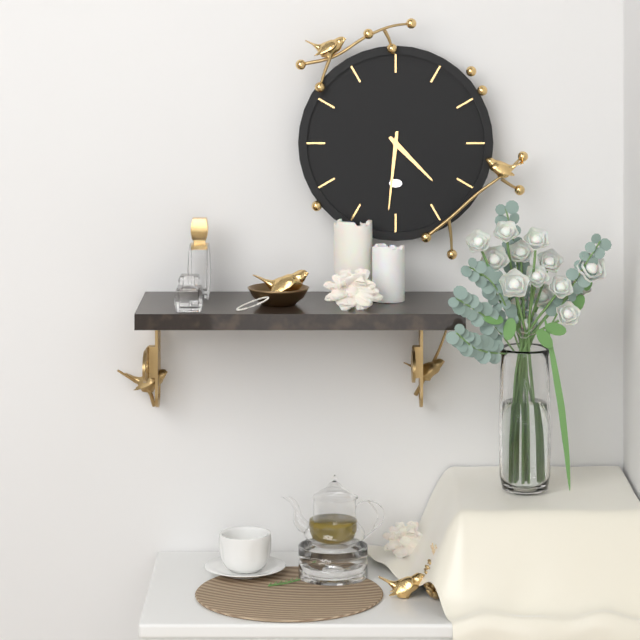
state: 4:31
